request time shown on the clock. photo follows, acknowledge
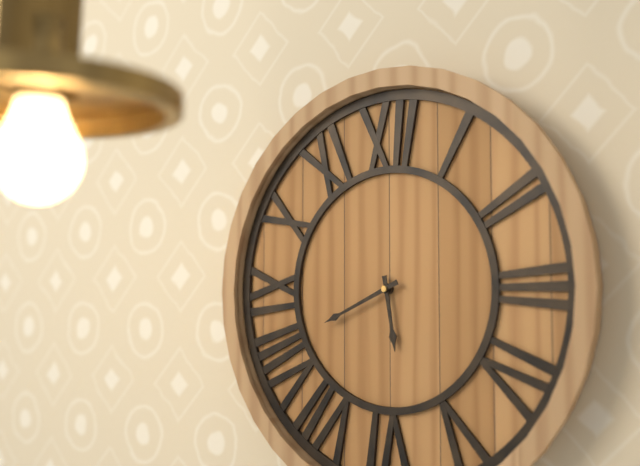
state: 5:41
